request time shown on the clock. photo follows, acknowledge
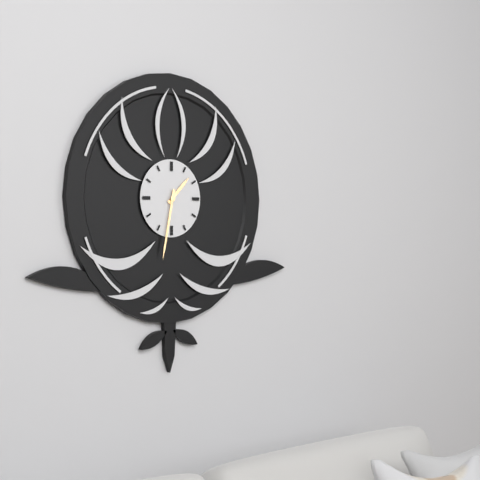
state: 1:32
